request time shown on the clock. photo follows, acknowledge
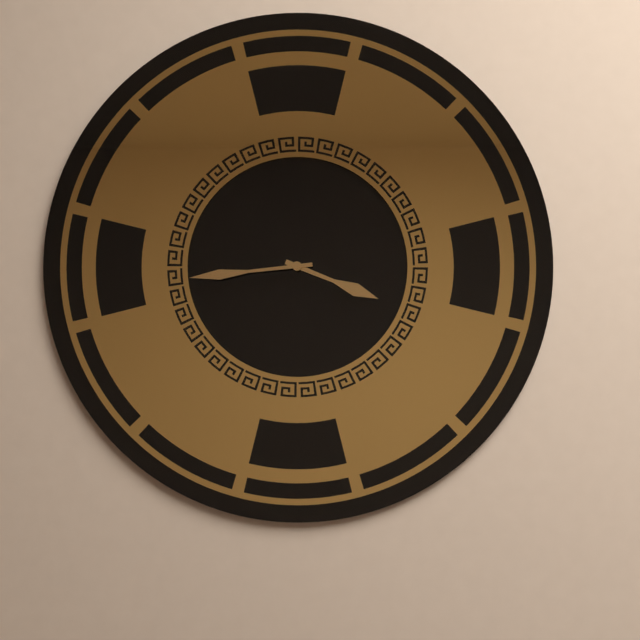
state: 3:44
